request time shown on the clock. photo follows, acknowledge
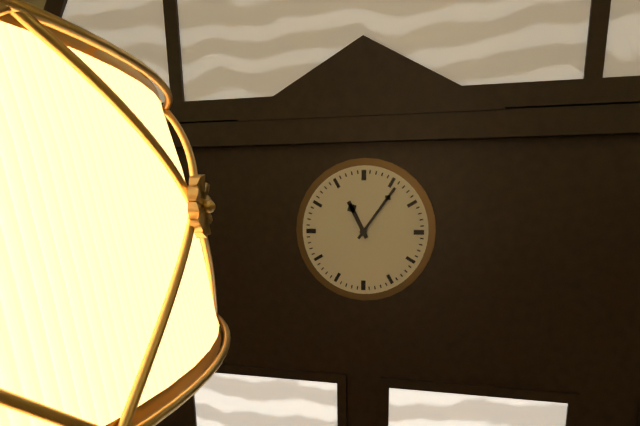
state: 11:06
